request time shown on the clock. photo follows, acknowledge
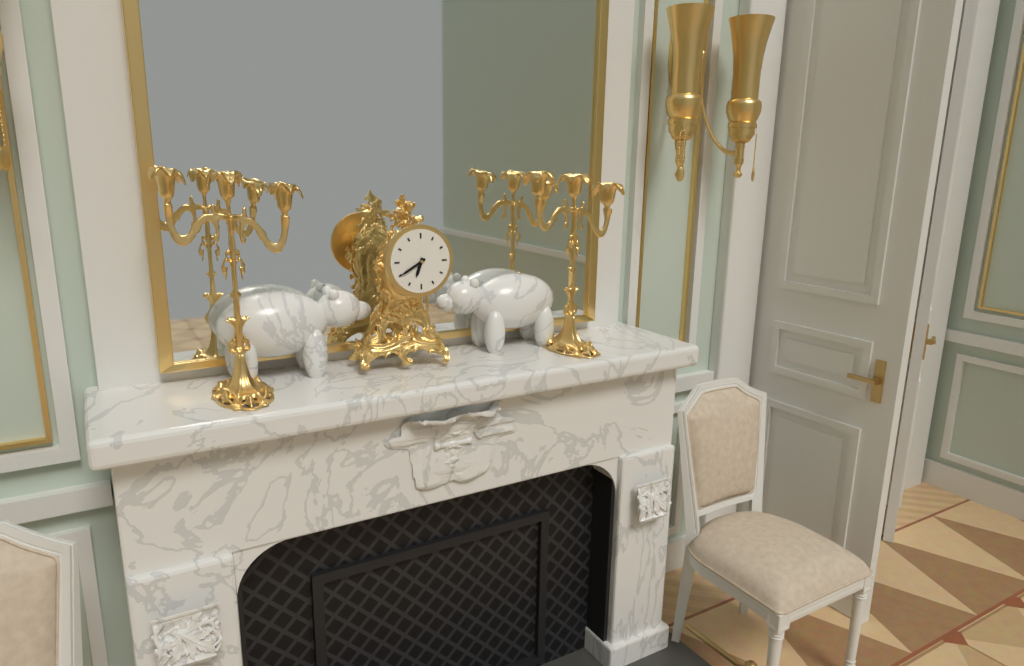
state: 6:40
